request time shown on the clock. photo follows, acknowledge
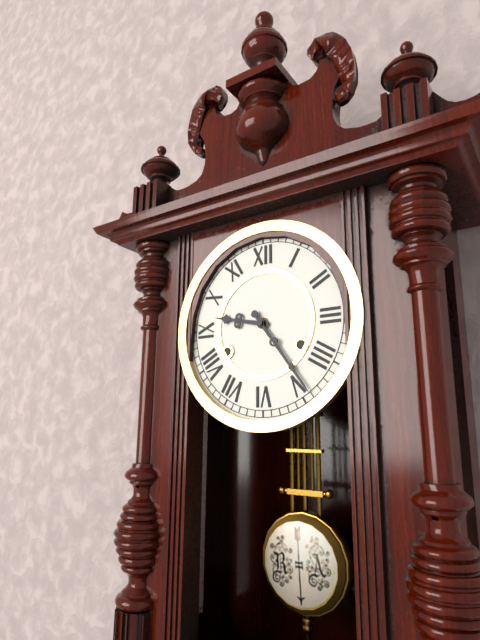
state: 9:24
